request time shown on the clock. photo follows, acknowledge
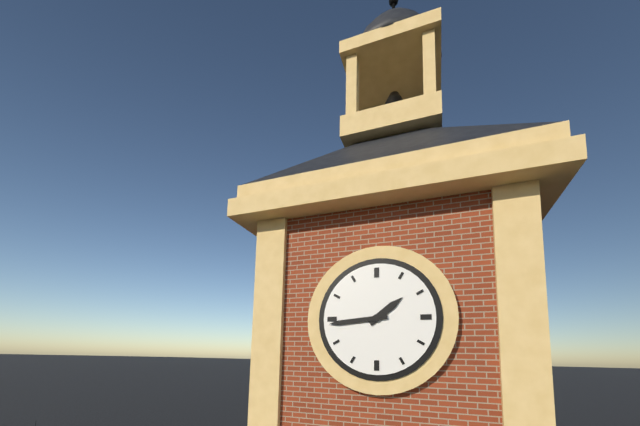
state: 1:44
